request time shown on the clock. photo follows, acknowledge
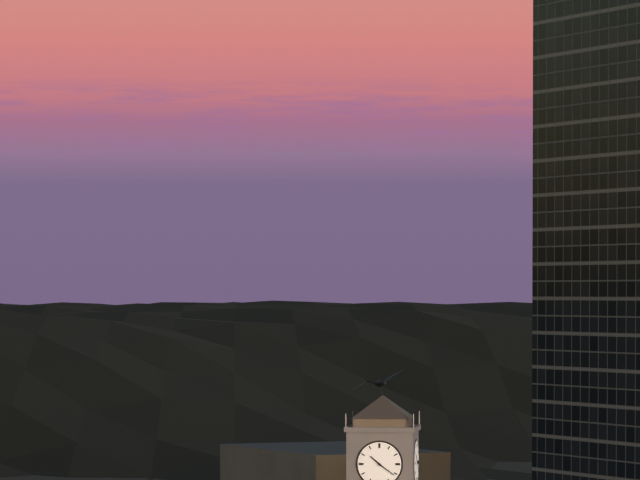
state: 10:21
